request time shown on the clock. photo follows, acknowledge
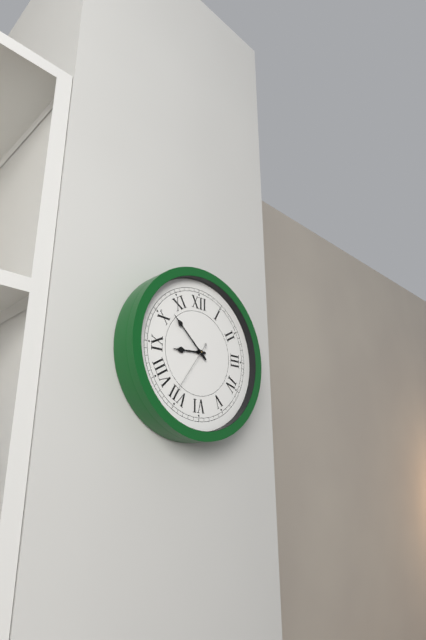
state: 8:52:36
